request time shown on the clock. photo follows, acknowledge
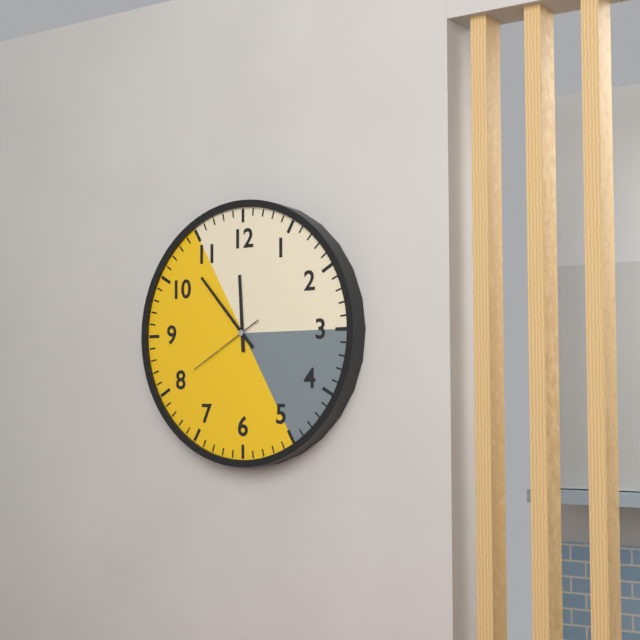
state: 11:53:40
